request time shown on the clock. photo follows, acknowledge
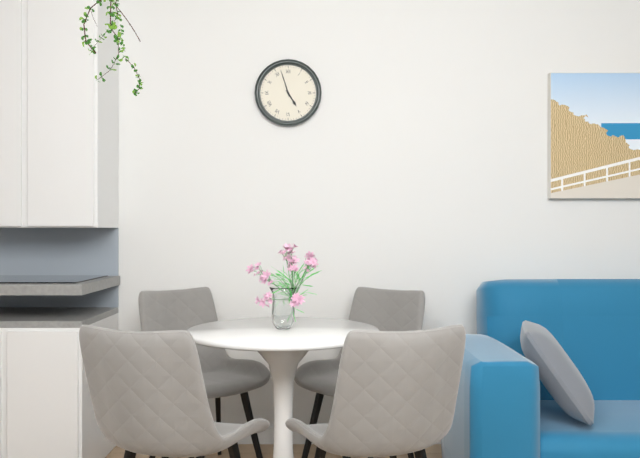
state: 4:57
